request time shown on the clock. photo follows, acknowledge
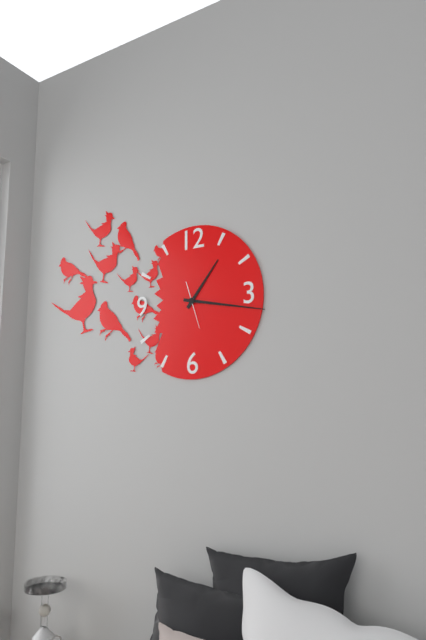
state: 1:17
